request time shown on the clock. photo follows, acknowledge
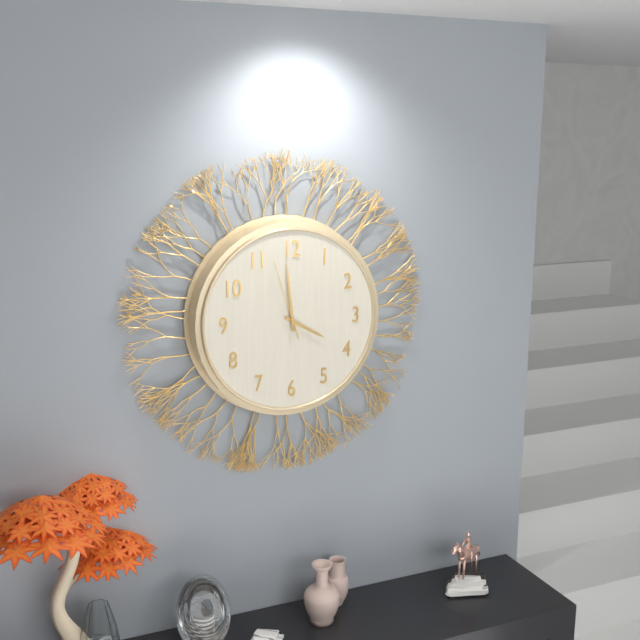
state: 3:59:57
